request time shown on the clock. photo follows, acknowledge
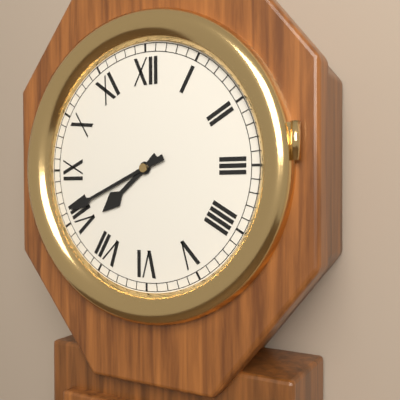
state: 7:41
